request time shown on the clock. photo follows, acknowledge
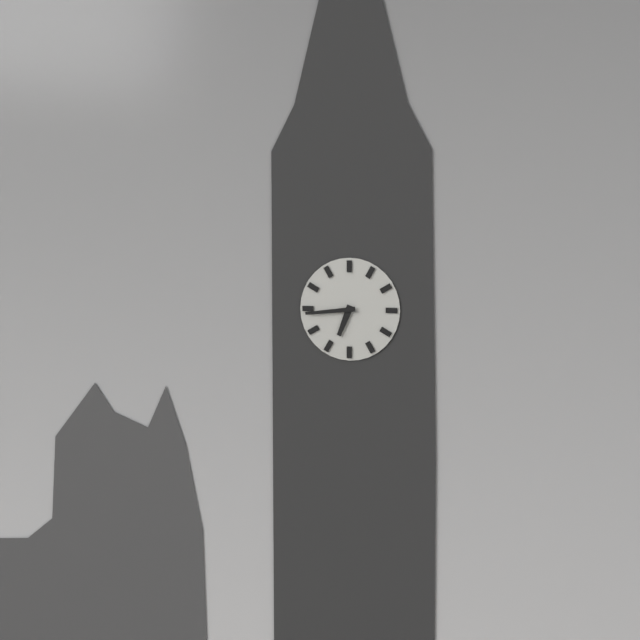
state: 6:44
